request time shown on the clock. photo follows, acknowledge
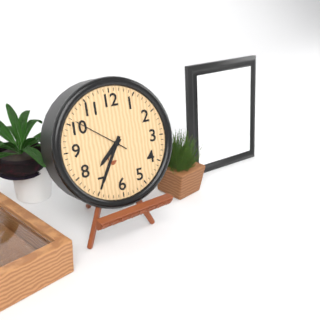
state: 7:35:51
